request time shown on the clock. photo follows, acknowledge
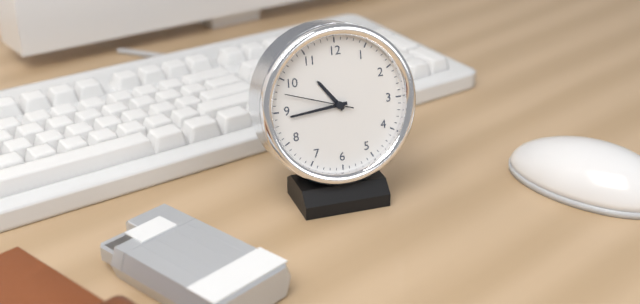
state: 10:44:48
